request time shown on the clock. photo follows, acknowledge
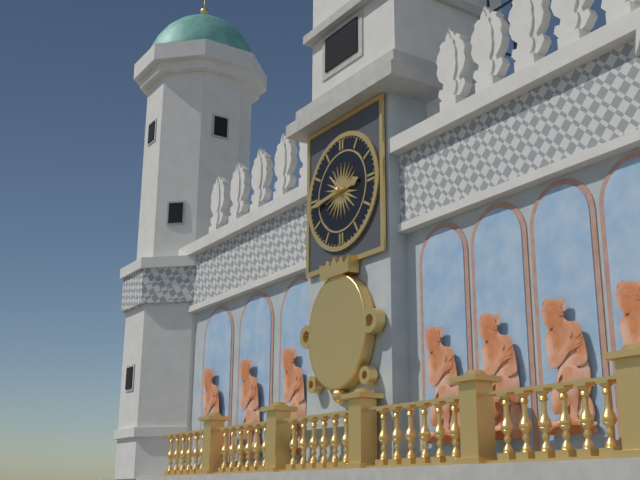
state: 2:44
